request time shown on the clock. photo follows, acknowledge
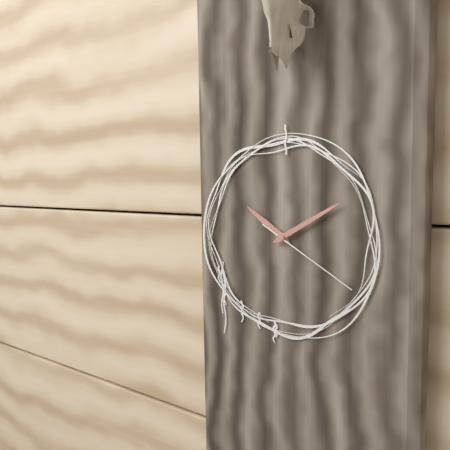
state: 10:10:20
